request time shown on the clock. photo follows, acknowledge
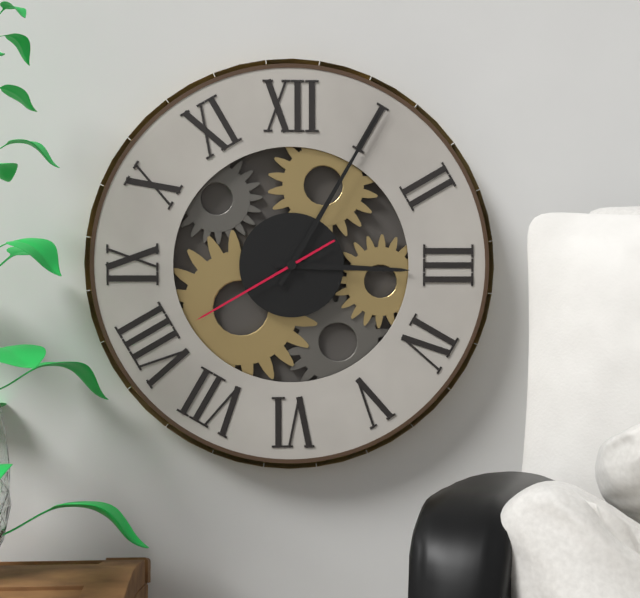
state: 3:05:40
